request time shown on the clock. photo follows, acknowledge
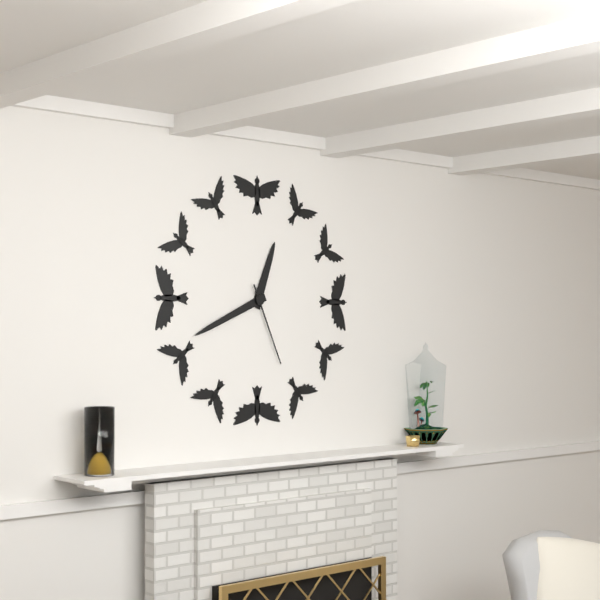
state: 12:41:26
